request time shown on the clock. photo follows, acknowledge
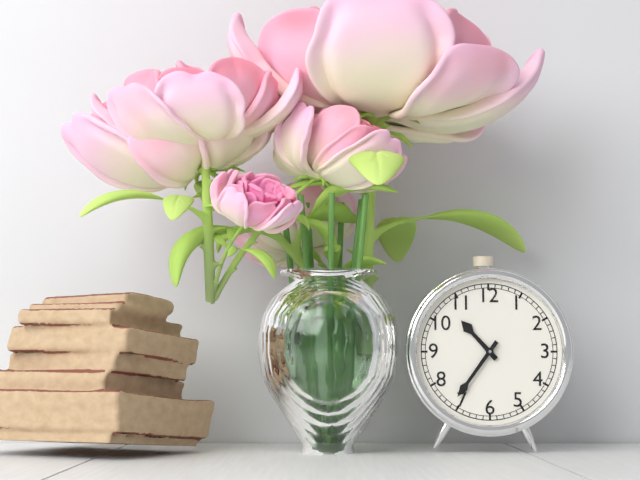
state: 10:36
